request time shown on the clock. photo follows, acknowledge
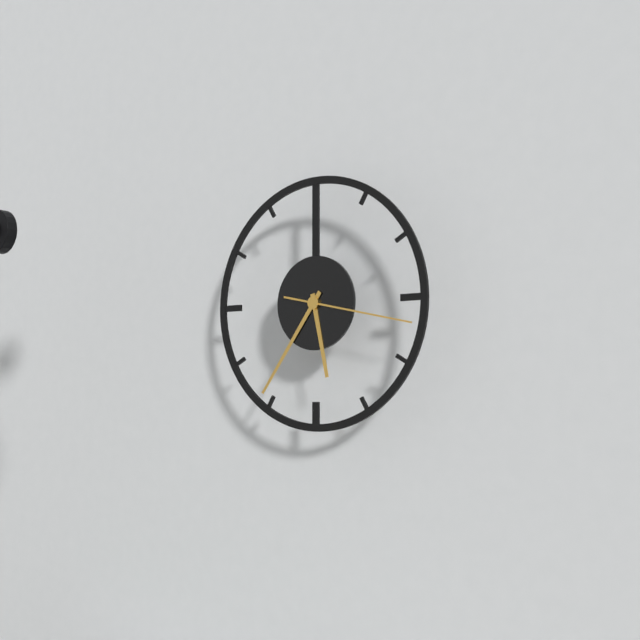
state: 5:36:17
